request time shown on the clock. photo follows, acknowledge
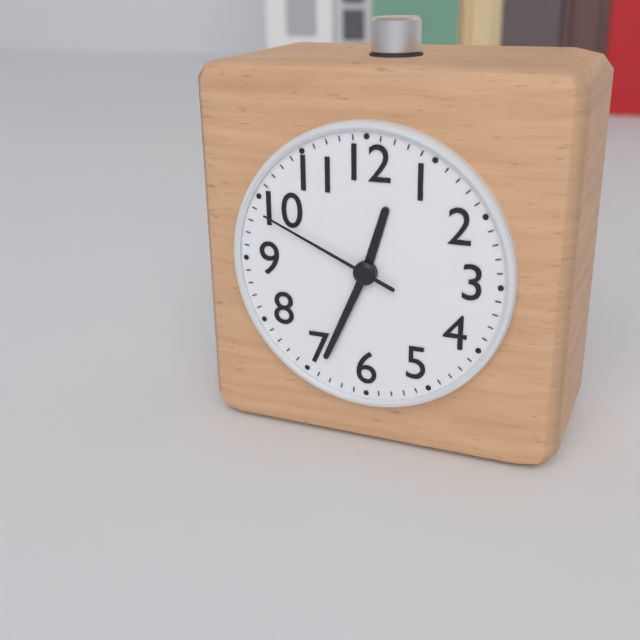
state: 12:34:49
